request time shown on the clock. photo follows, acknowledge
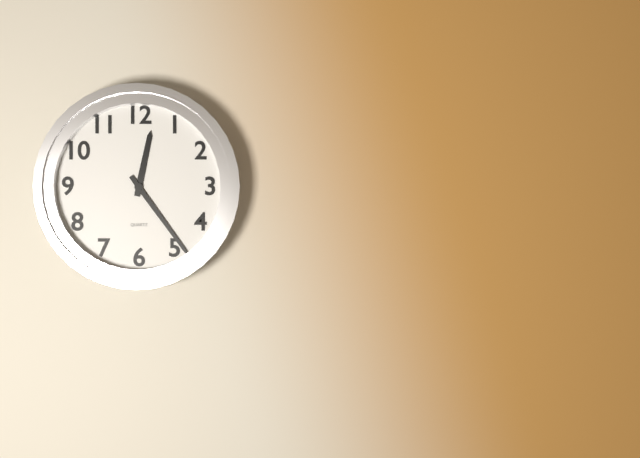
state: 12:24
